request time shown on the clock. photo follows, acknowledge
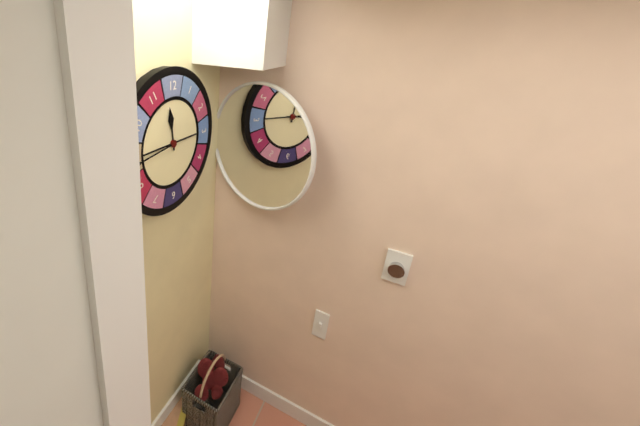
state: 11:44
